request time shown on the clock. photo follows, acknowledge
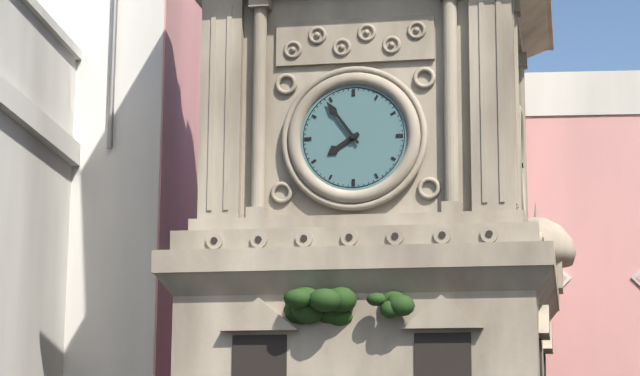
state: 7:54
